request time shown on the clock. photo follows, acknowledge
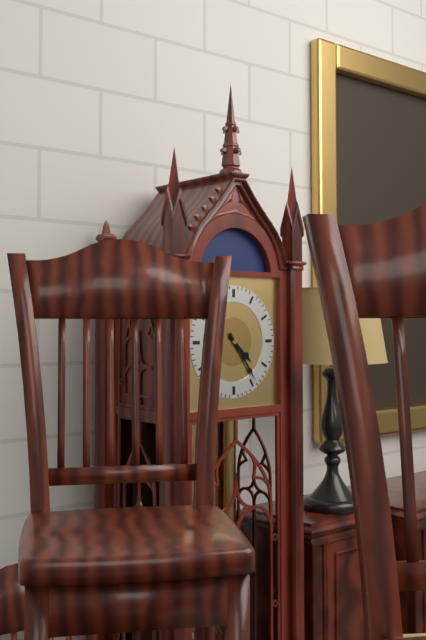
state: 4:24
